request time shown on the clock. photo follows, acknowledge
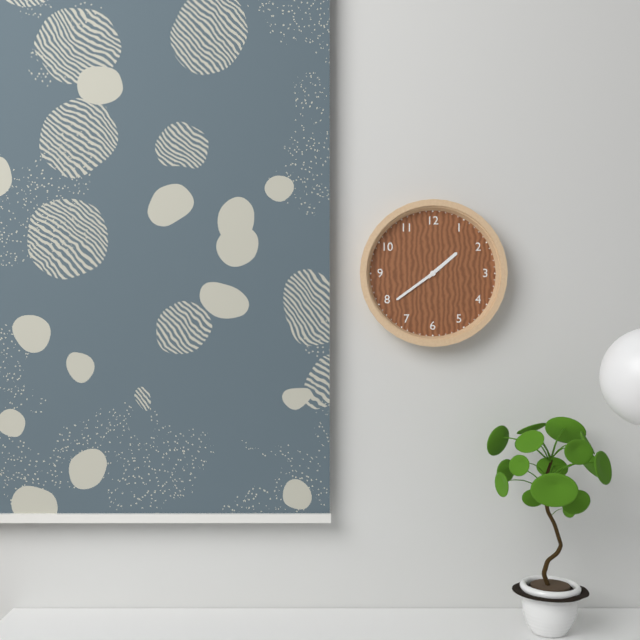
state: 1:39
